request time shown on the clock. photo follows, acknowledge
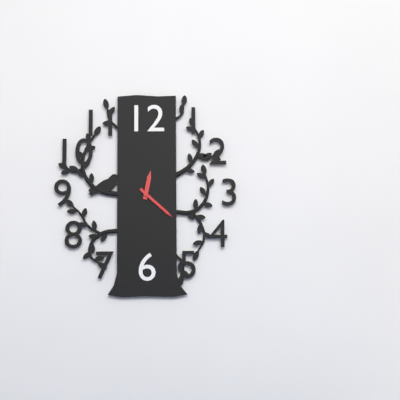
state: 12:22
